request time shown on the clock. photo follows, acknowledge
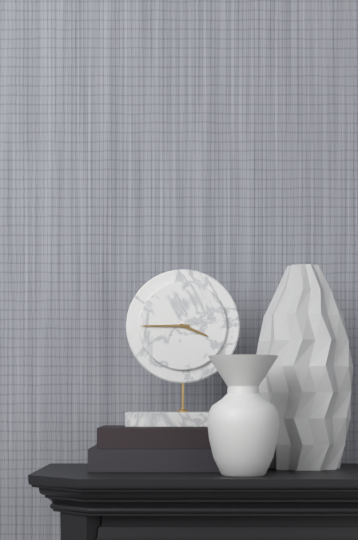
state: 3:45
